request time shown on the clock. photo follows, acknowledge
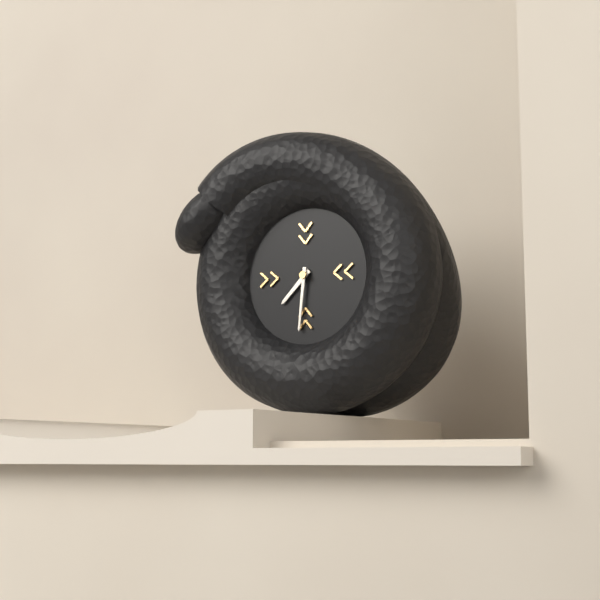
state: 7:31
